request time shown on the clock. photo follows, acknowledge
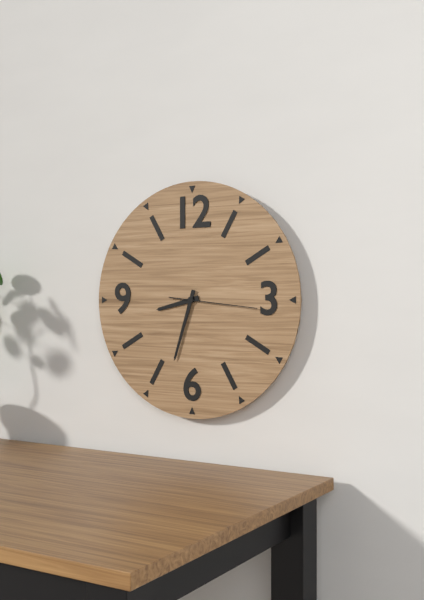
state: 8:33:16
